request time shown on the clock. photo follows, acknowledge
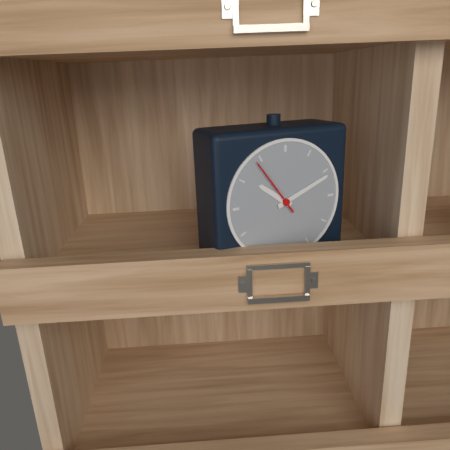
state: 10:11:54
